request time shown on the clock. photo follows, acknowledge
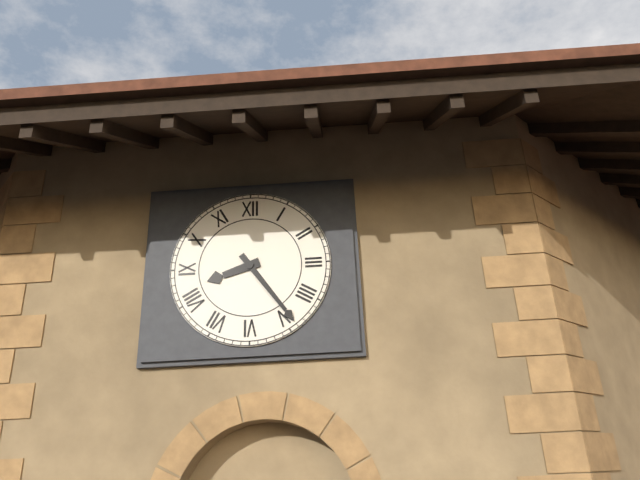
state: 8:24
